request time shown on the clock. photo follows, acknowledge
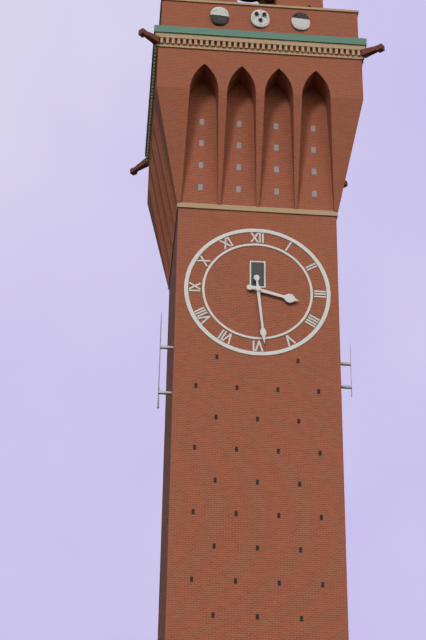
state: 3:29
